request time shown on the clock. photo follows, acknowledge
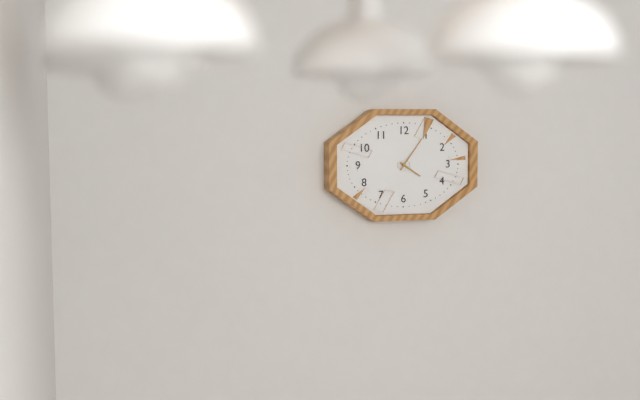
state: 4:06
